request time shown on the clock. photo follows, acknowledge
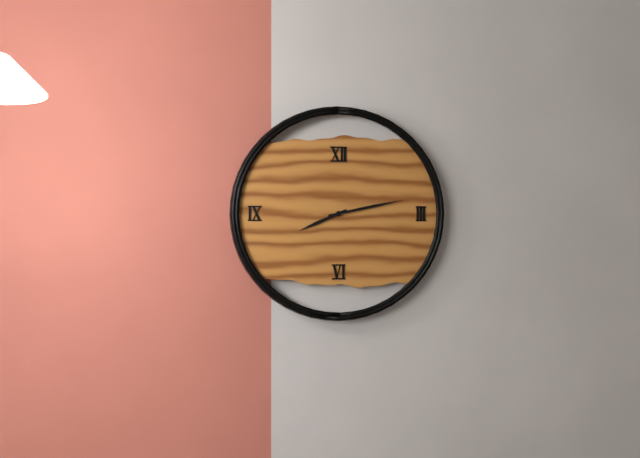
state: 8:13
